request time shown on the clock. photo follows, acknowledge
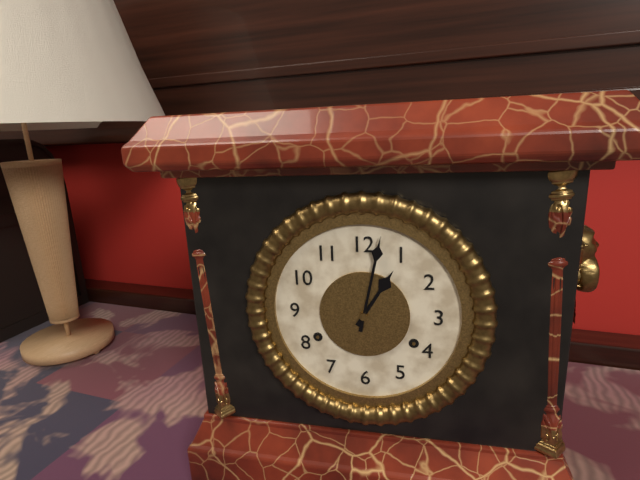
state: 1:02
